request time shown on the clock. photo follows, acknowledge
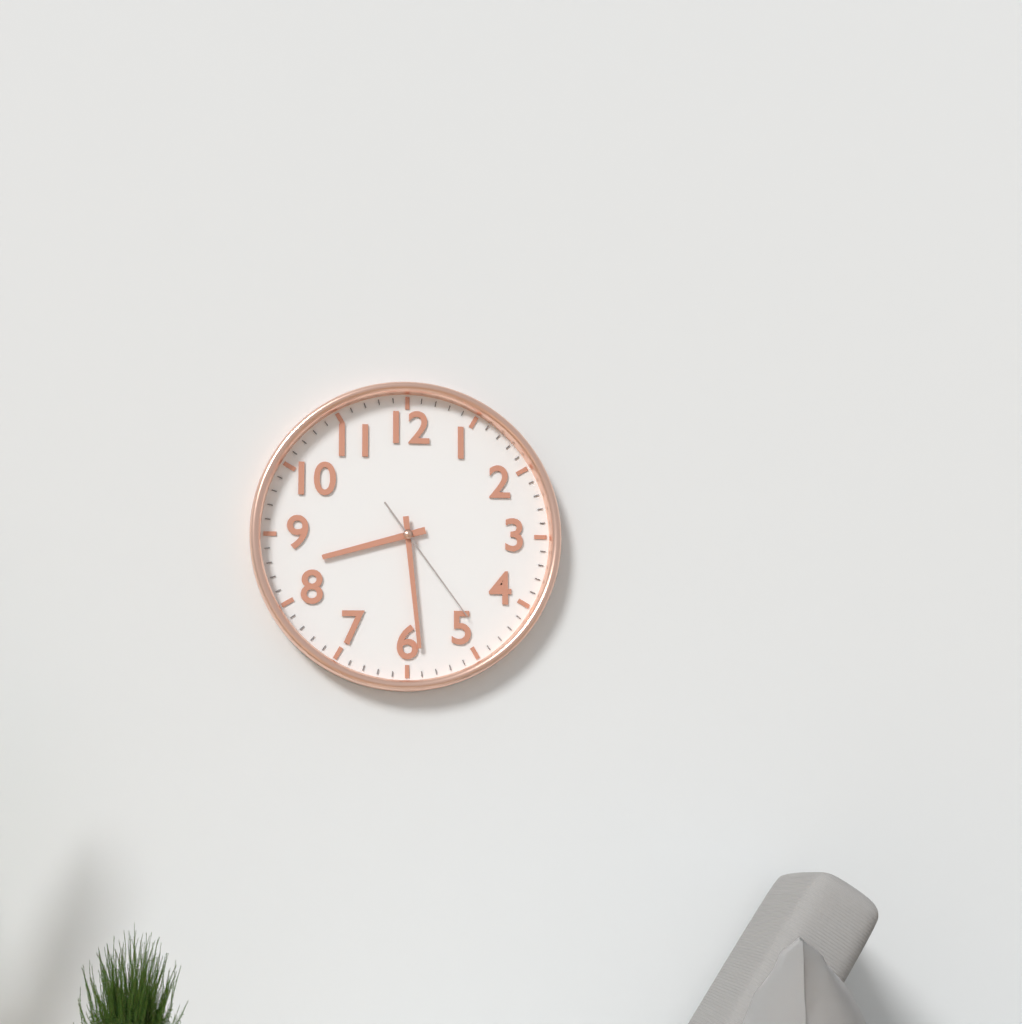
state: 8:29:24
